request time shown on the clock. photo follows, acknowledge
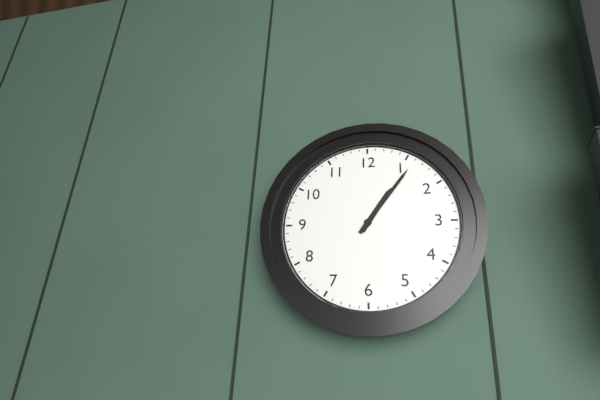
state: 1:06
